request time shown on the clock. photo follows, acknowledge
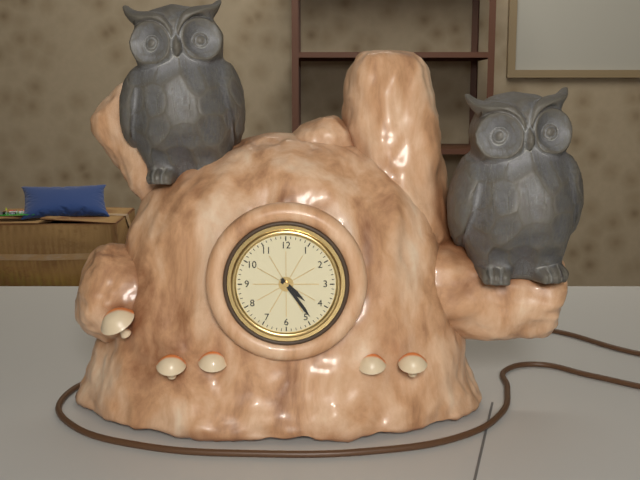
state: 4:24
